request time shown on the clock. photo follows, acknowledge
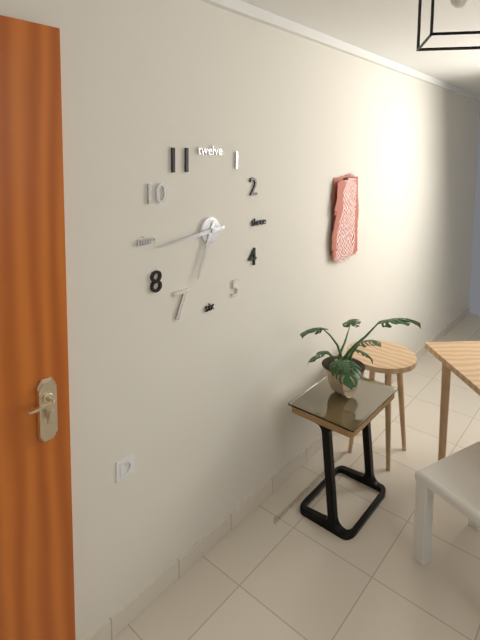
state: 6:44
